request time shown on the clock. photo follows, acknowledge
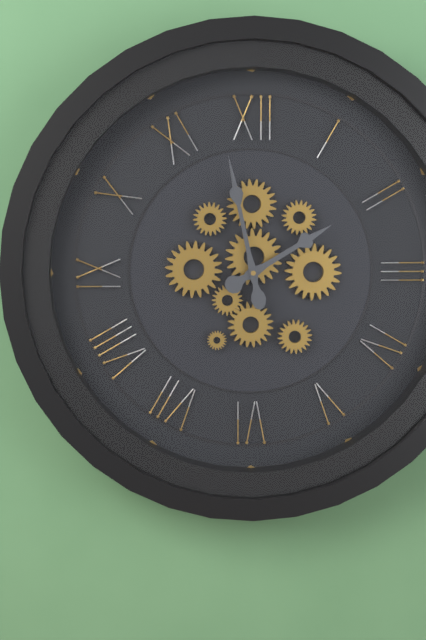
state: 1:58
